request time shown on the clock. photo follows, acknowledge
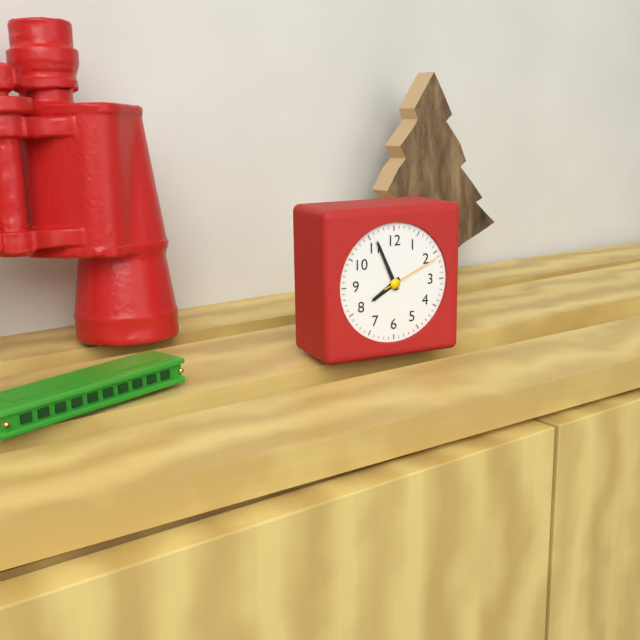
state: 7:56:11
